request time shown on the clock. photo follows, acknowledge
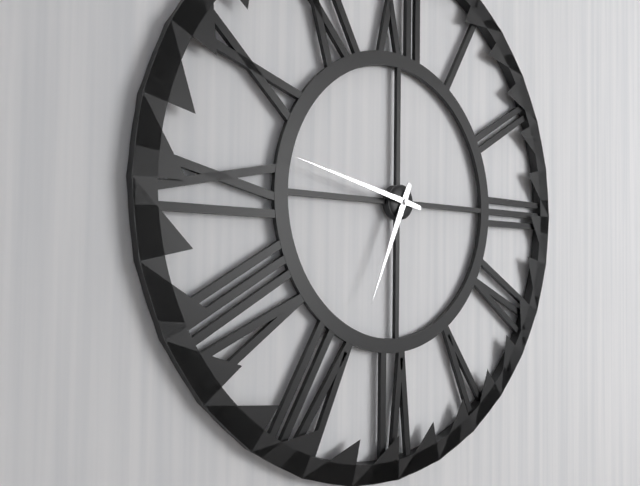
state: 6:47
